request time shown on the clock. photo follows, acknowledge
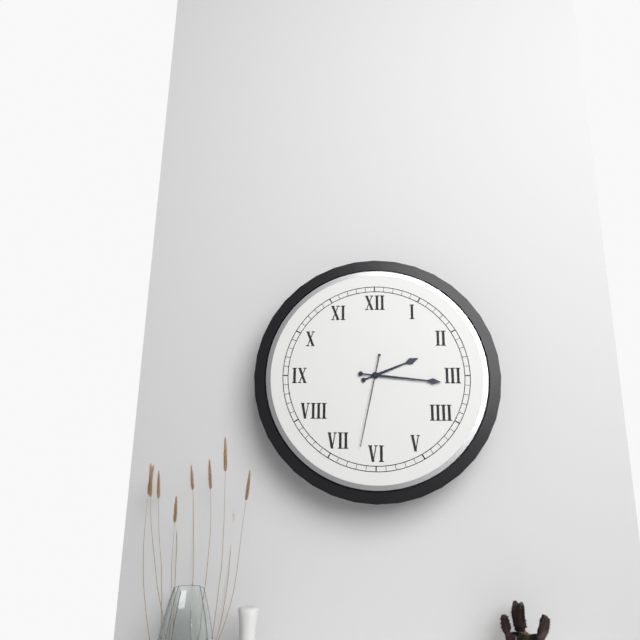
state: 2:16:32
